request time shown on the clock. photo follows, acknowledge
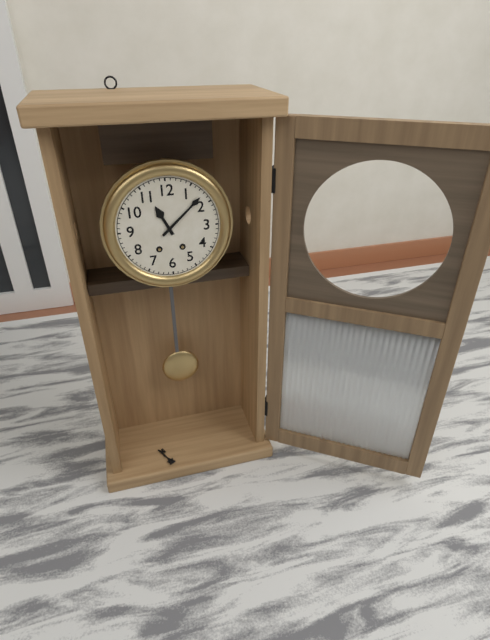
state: 11:08
